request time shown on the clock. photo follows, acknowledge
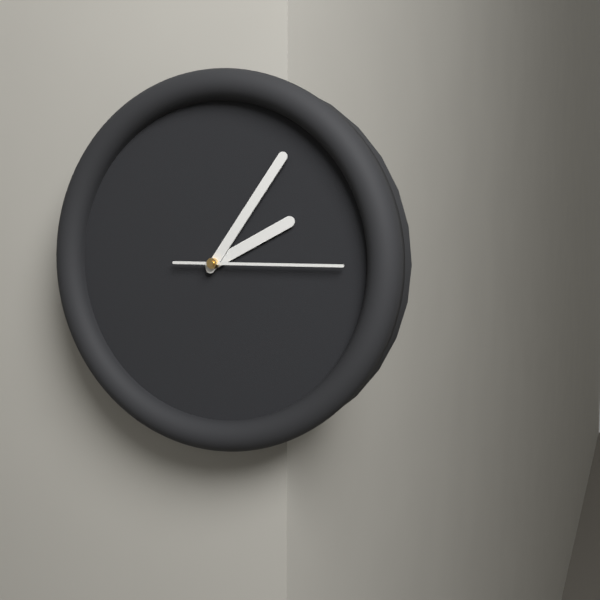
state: 2:06:15
